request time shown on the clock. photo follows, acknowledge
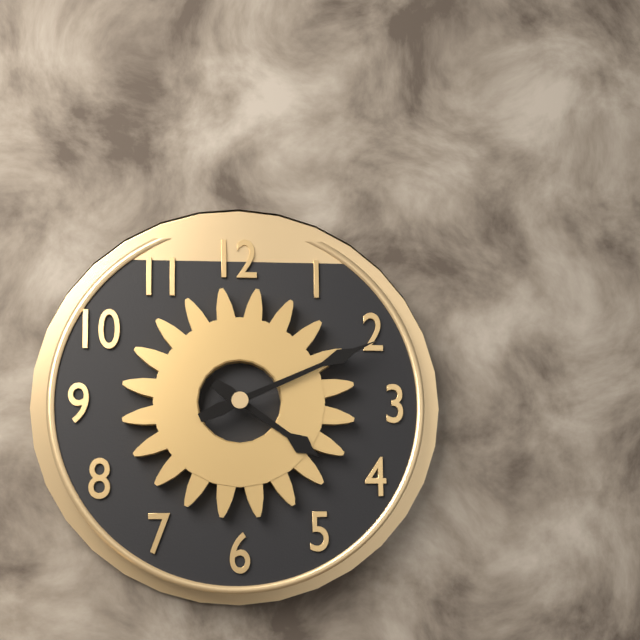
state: 4:11
